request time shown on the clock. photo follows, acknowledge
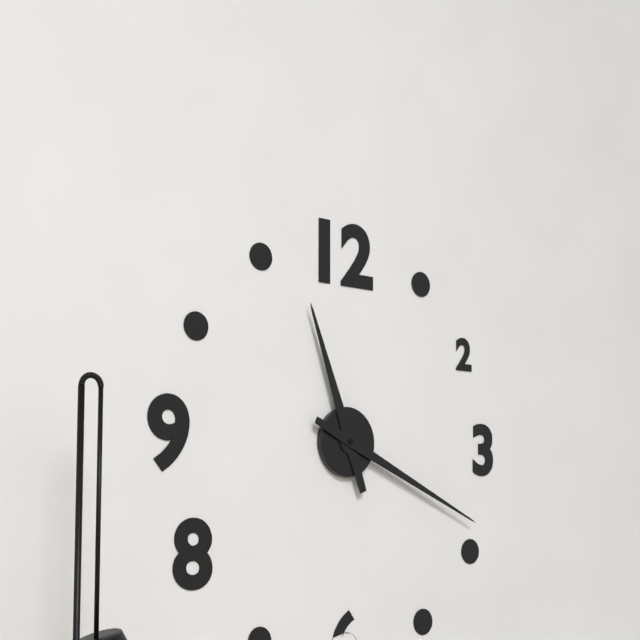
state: 11:19
